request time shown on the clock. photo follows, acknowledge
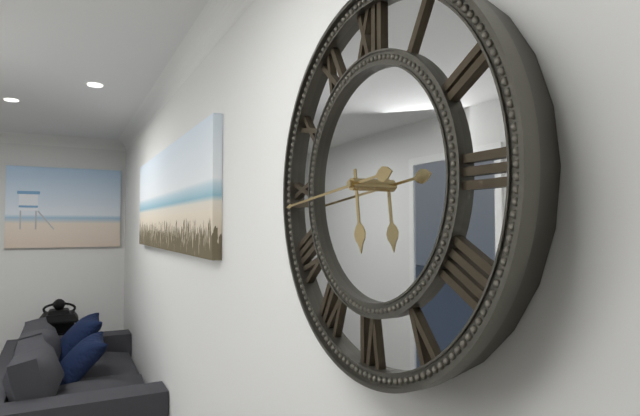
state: 5:44
